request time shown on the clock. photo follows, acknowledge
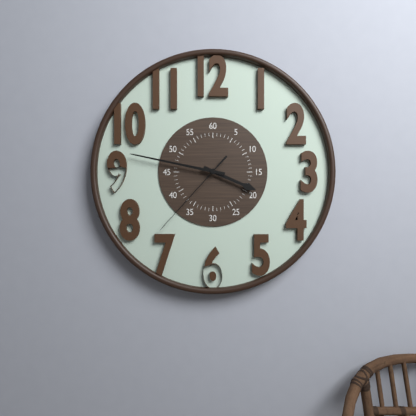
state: 3:47:37
